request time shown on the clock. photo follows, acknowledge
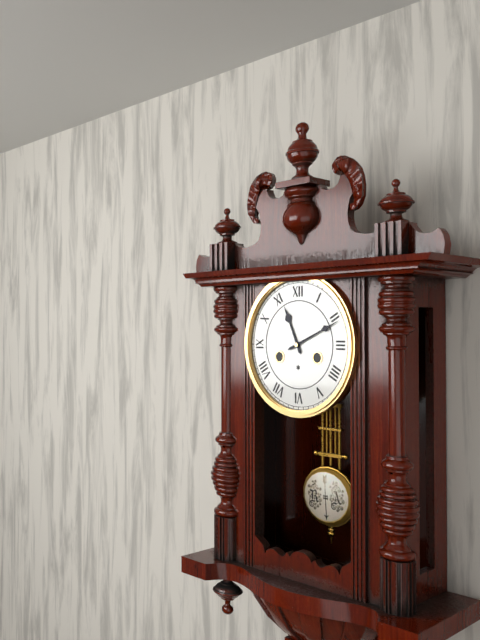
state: 11:11
